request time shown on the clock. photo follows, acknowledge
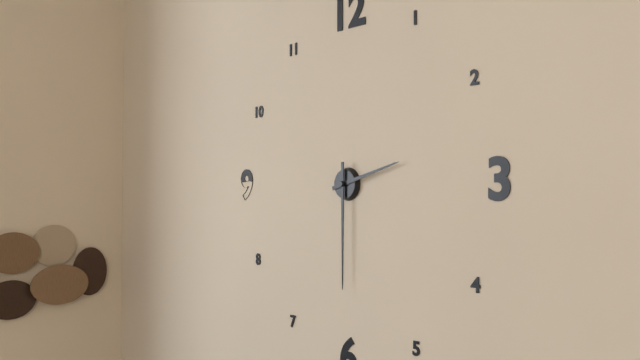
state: 2:30
